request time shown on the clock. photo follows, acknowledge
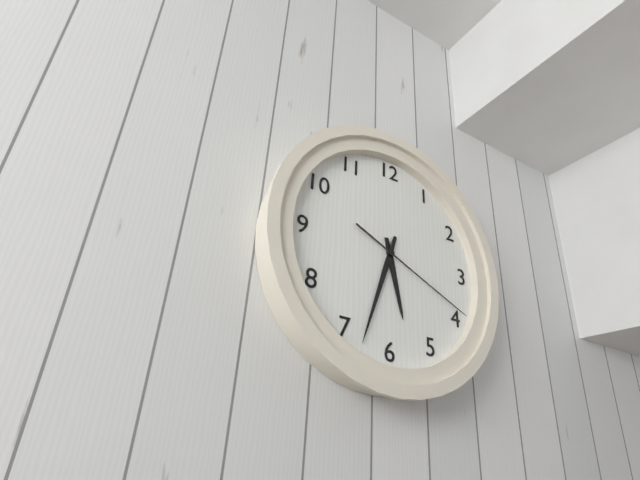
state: 5:33:19
